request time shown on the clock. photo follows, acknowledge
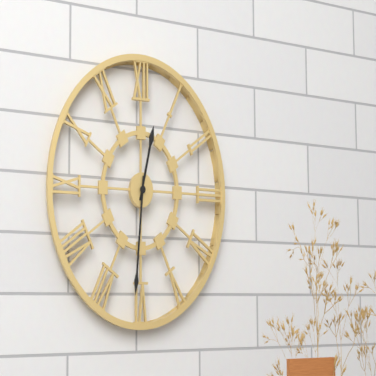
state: 12:31
